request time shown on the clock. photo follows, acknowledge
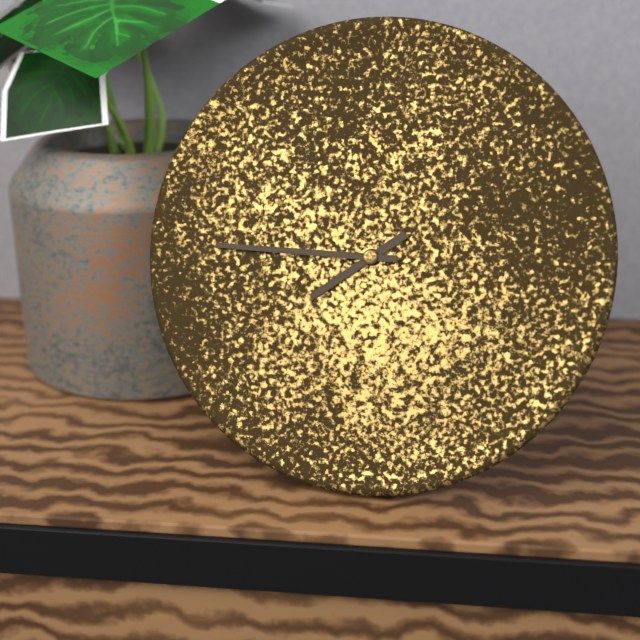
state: 7:45
